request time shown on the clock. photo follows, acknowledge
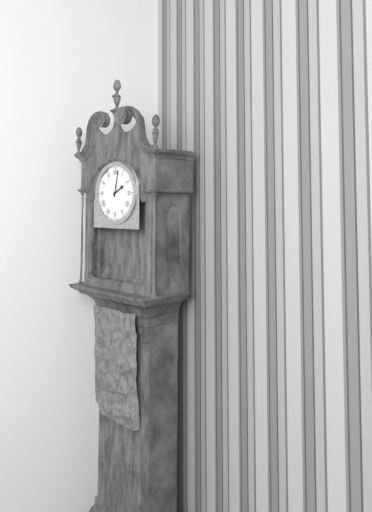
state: 2:02
